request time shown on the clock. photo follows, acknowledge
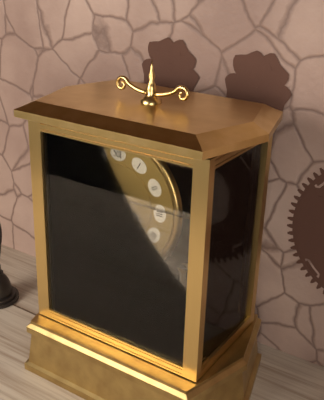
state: 3:51
